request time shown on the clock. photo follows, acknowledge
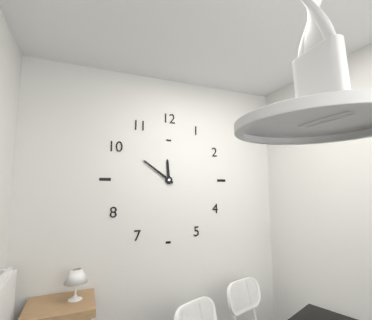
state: 11:51
